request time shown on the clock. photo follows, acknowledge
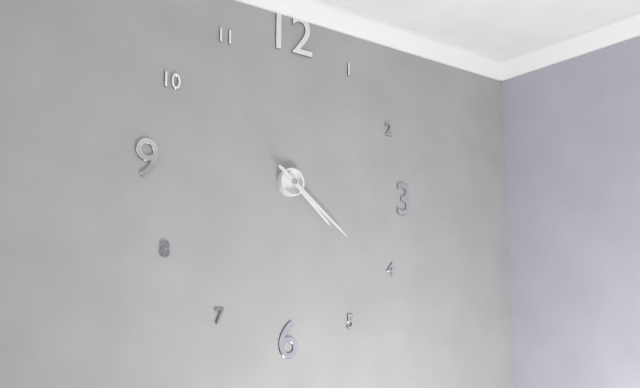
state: 4:21
